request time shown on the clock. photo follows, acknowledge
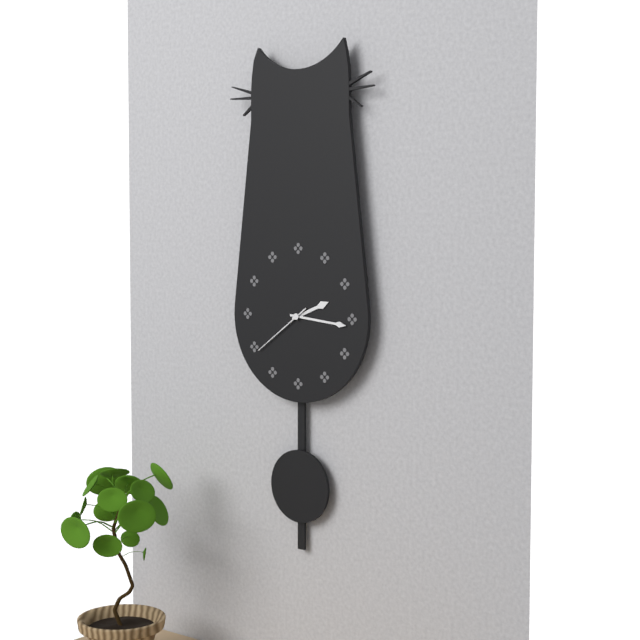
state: 2:16:39
